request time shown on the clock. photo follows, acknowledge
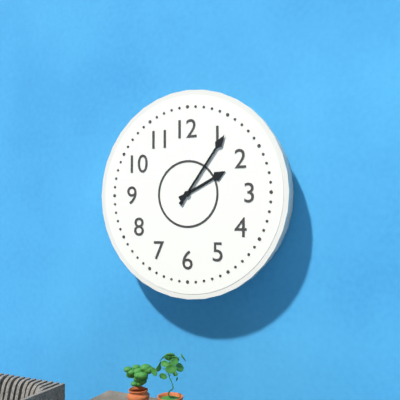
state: 2:06
